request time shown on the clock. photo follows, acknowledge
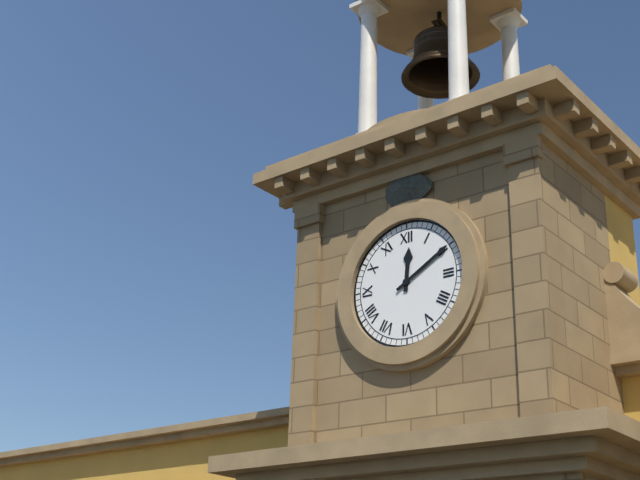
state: 12:10
